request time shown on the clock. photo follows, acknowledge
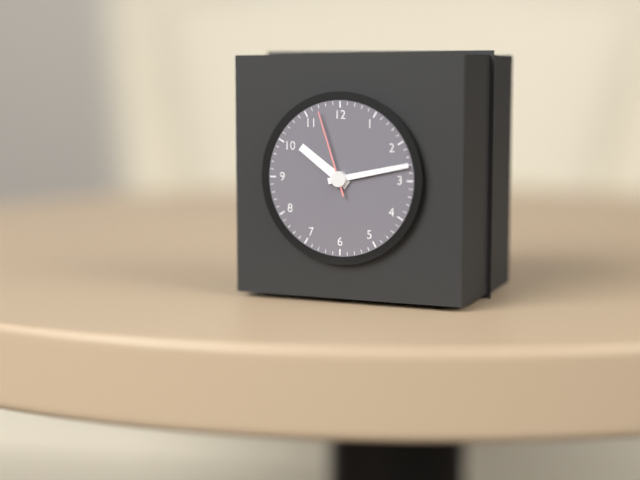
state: 10:13:57
